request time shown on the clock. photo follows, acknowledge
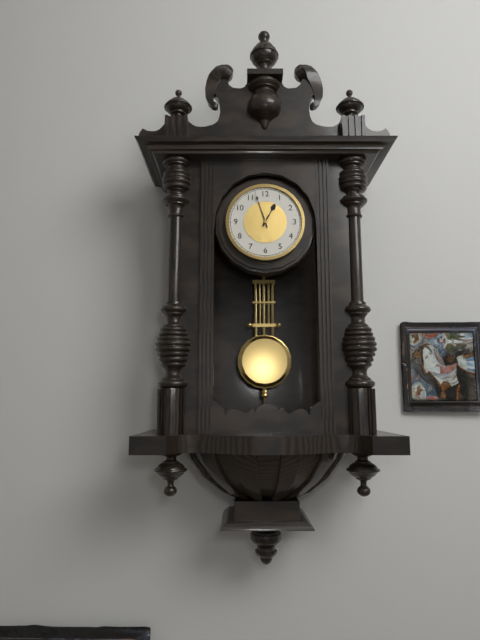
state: 12:57
